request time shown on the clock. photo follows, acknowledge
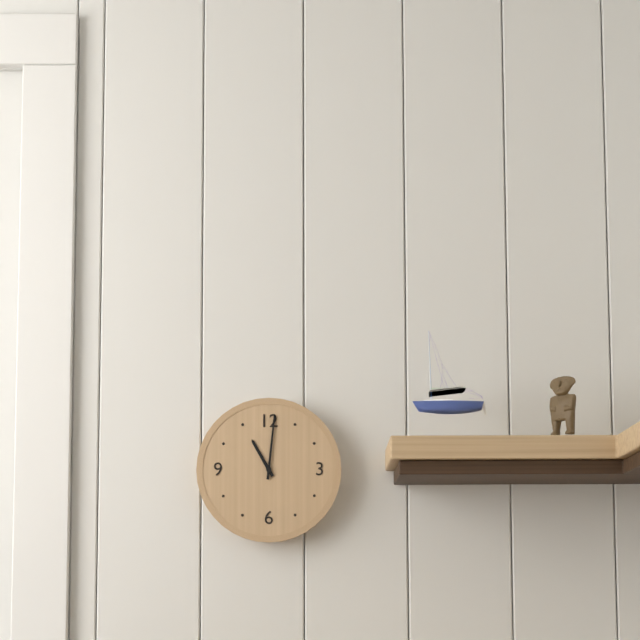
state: 11:01
